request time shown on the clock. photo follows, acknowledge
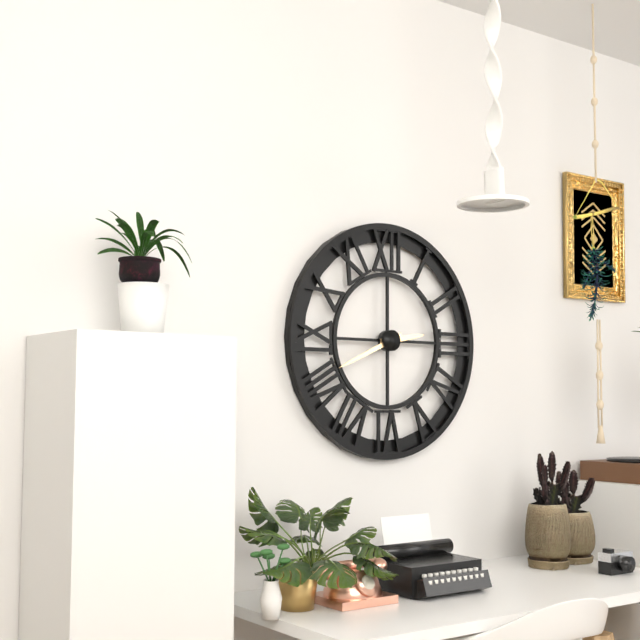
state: 2:41
